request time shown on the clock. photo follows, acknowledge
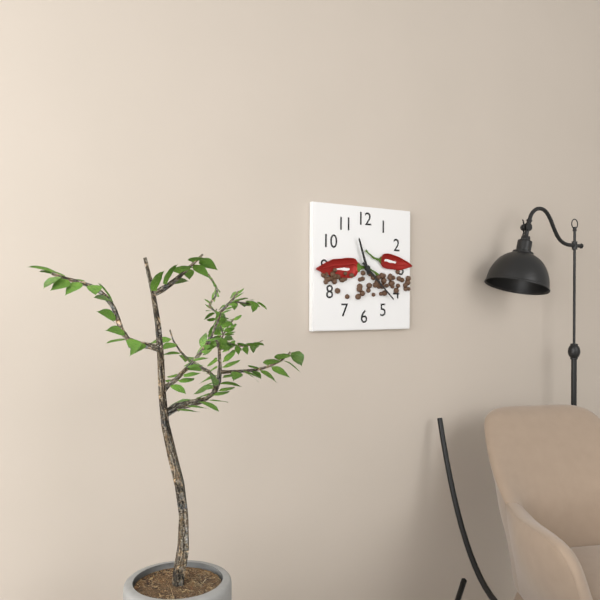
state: 11:22
